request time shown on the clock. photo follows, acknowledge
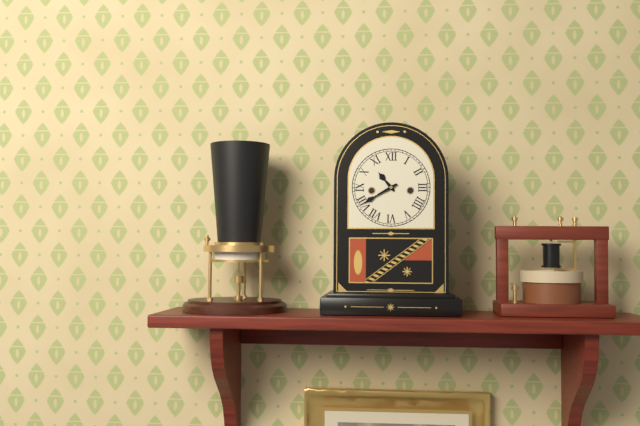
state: 10:40
